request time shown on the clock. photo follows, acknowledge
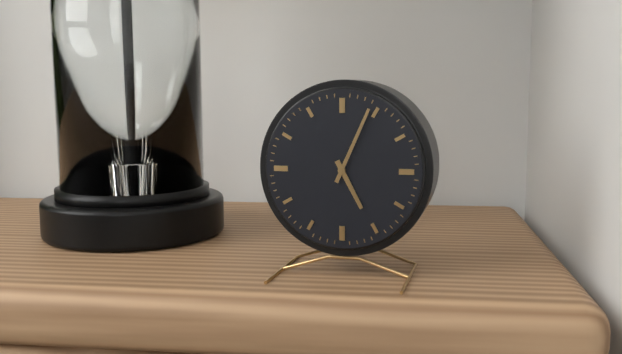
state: 5:04
